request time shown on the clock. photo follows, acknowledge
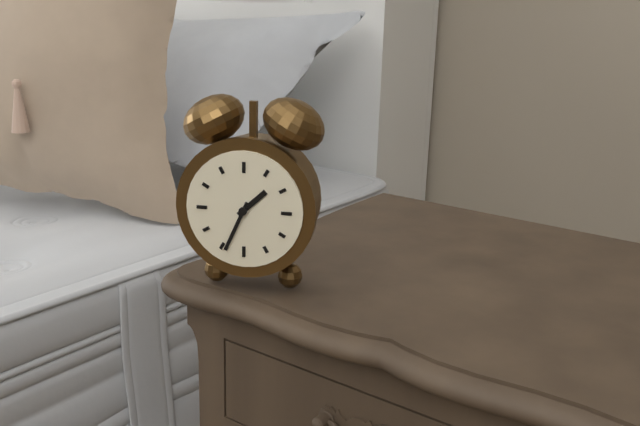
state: 1:34
